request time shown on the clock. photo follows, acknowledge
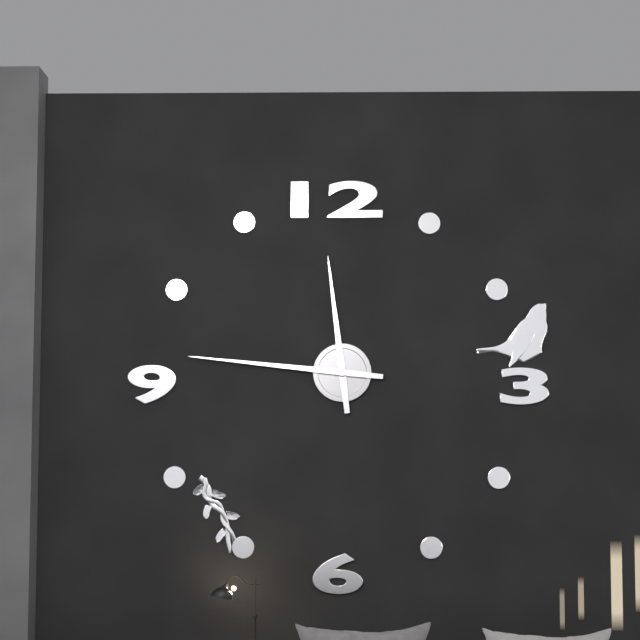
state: 11:46
